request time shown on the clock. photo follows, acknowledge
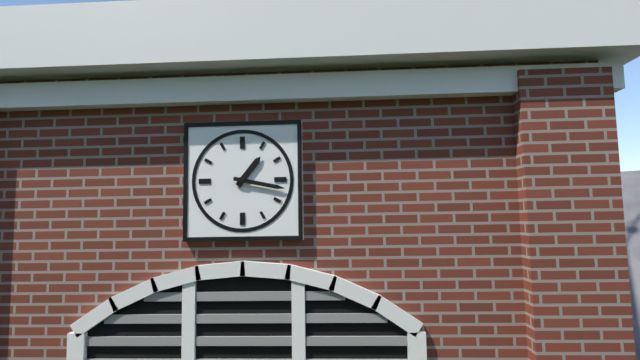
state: 1:17
